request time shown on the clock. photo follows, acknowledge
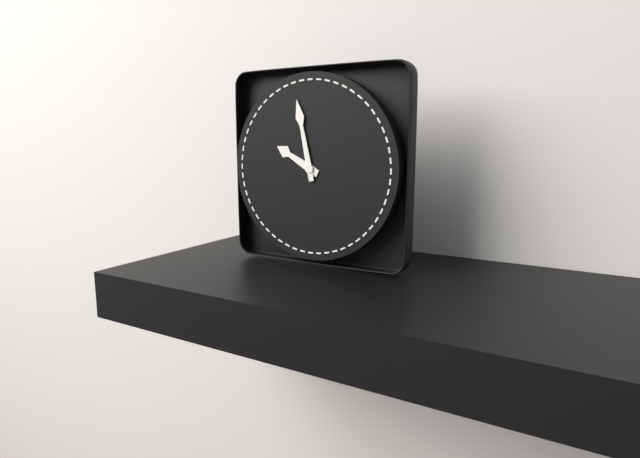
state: 9:58
